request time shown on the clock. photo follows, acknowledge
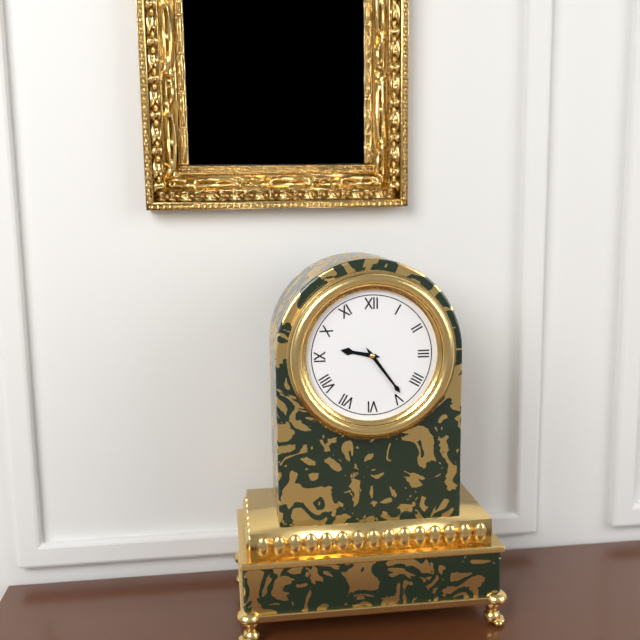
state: 9:24
